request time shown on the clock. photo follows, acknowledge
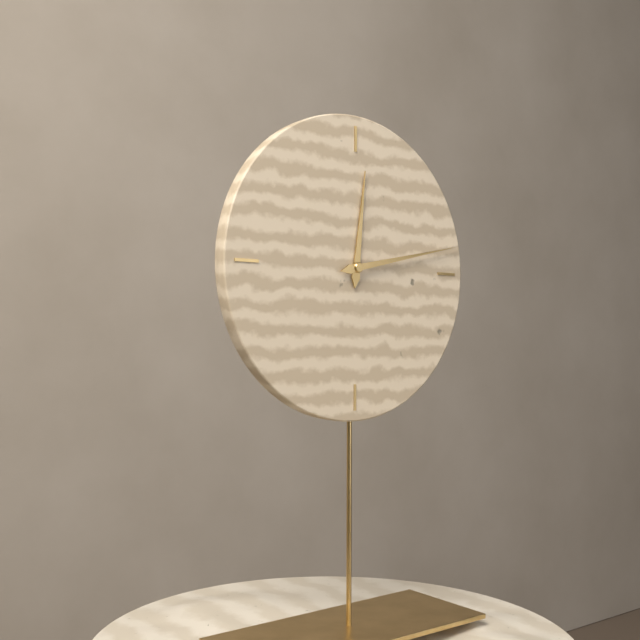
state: 12:13
